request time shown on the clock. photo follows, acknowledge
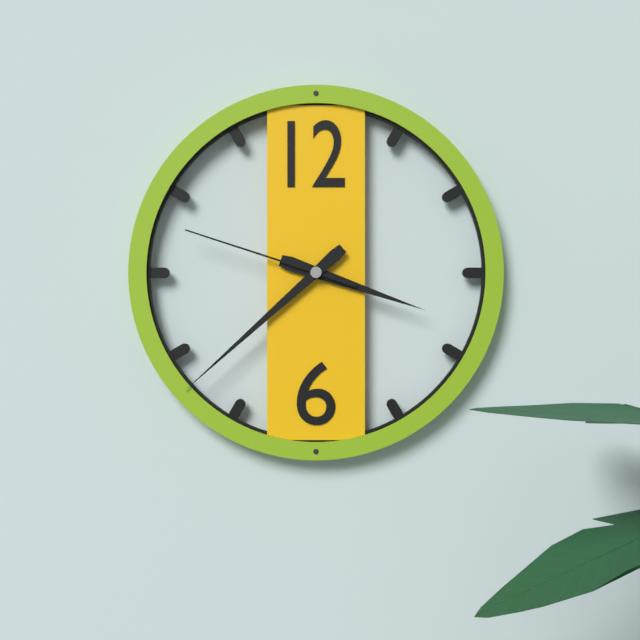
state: 3:38:48
